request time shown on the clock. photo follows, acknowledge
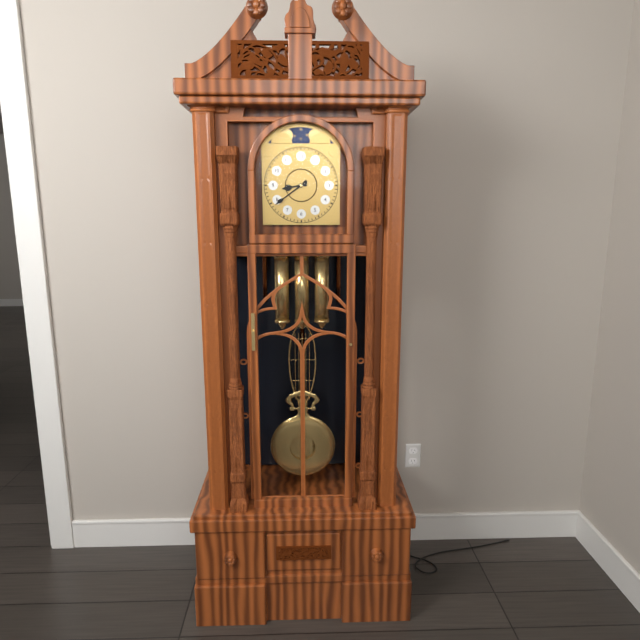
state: 8:39
